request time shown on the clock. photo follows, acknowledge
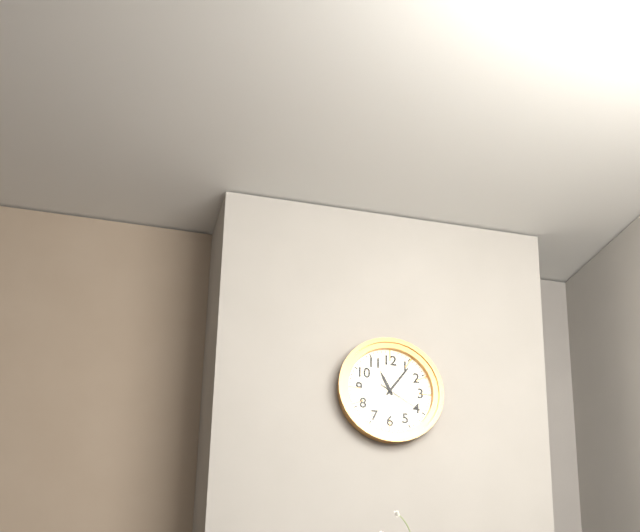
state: 11:06
